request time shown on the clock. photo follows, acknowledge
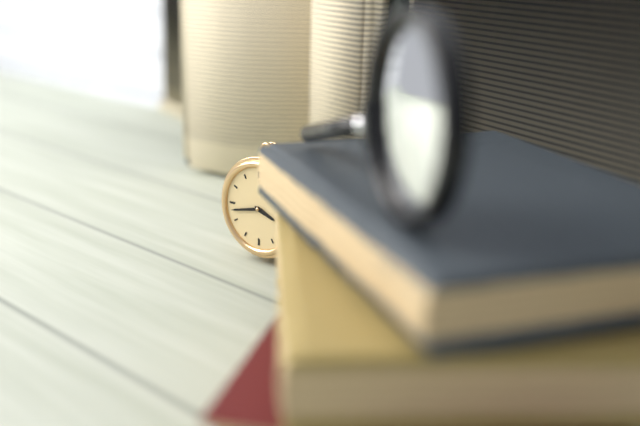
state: 3:43
